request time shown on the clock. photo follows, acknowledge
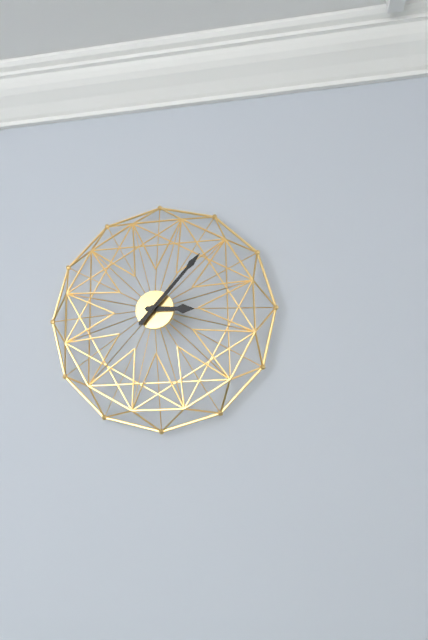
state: 3:07
